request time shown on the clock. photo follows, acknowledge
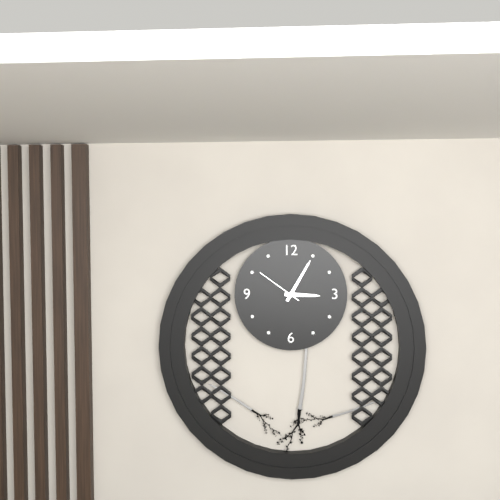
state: 3:05
